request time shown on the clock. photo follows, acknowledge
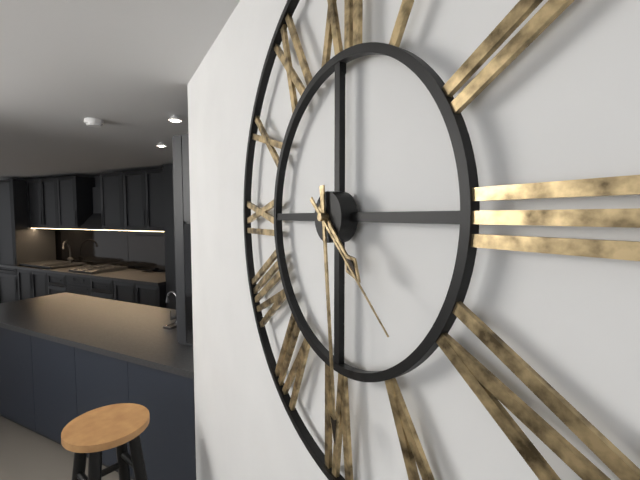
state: 4:29:22
